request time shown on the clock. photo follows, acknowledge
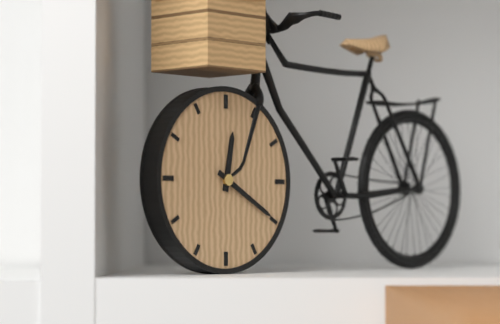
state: 12:20
